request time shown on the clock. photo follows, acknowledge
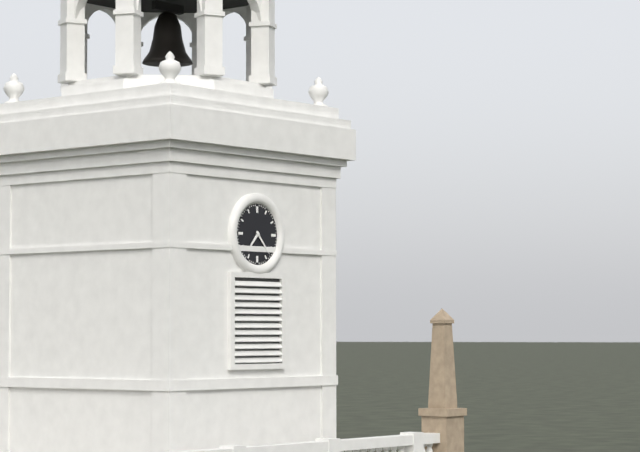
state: 7:23
